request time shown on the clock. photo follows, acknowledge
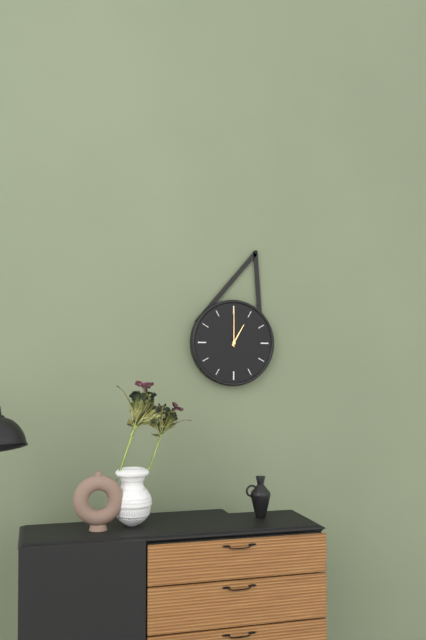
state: 1:00
